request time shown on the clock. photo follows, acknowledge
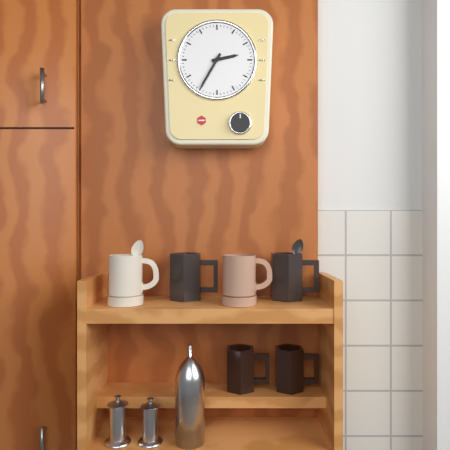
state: 2:35
